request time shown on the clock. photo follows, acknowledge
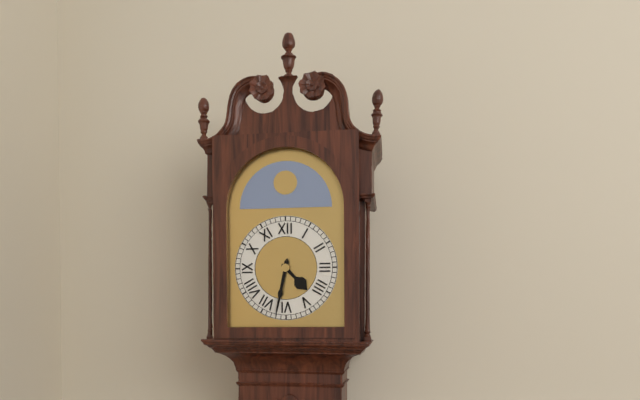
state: 4:32
